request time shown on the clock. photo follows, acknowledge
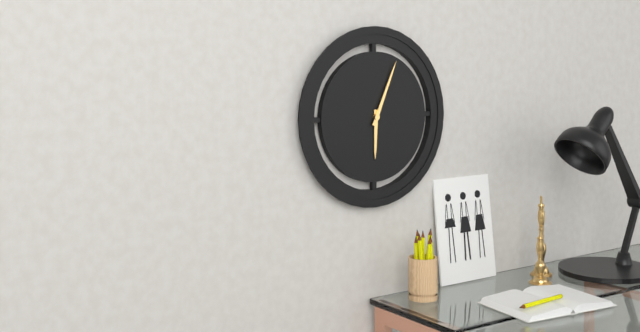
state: 6:04
